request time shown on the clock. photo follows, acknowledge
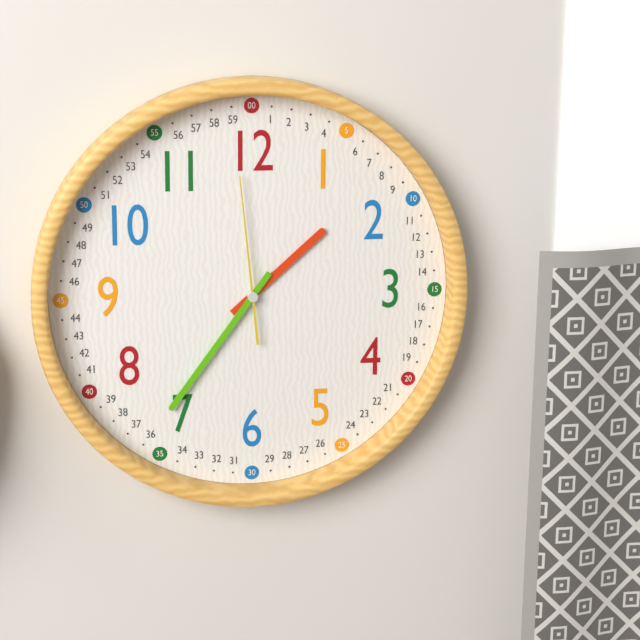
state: 1:36:59
